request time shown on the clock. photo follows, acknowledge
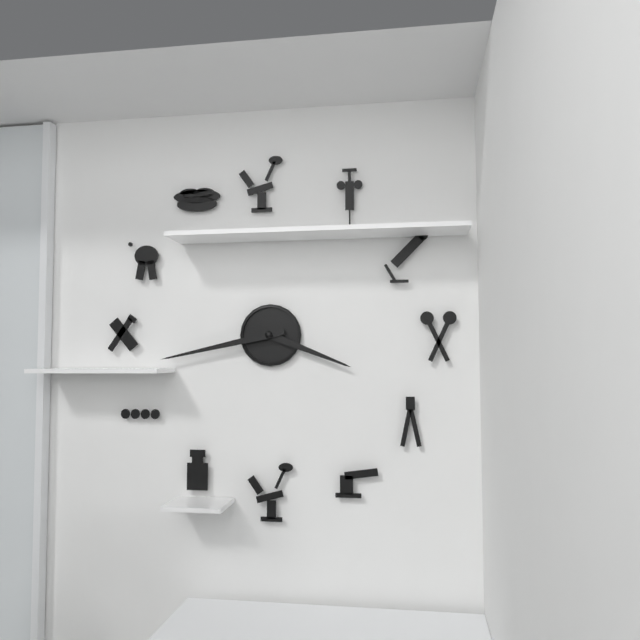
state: 3:43
